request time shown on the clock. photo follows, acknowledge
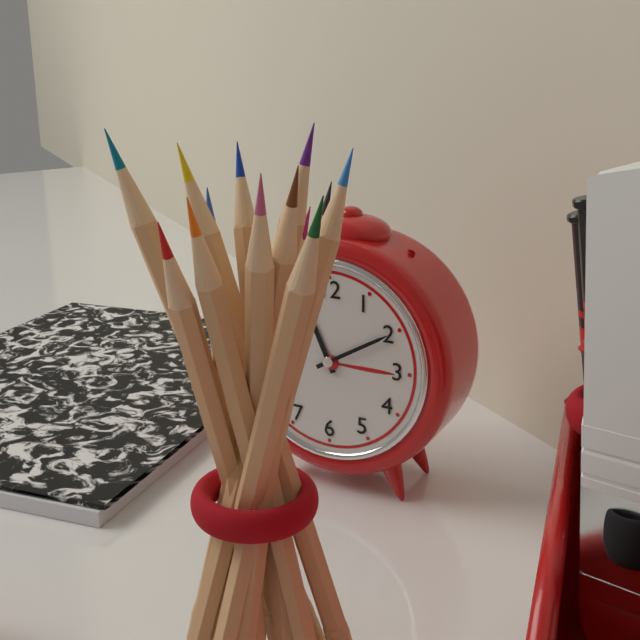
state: 11:10
